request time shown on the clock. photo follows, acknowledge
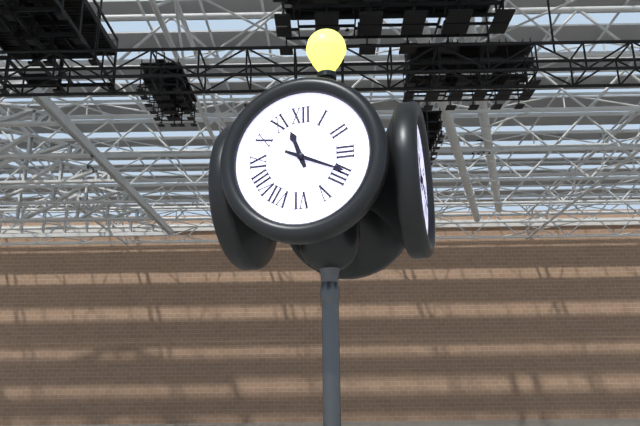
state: 11:19
